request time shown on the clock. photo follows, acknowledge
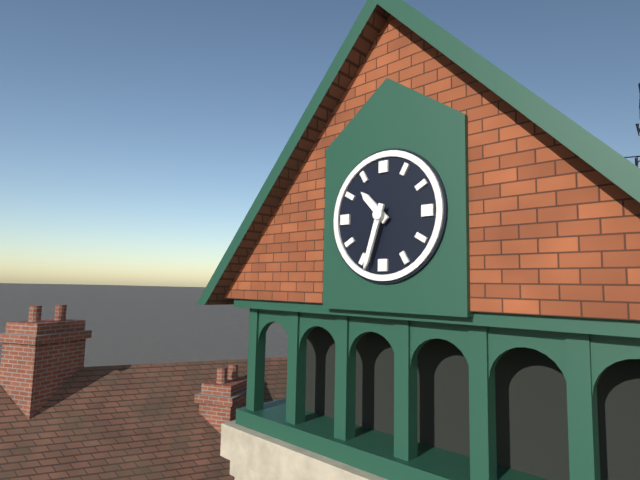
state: 10:33
